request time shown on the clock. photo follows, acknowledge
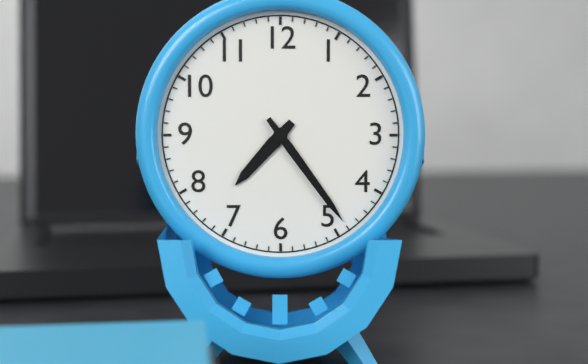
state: 7:24
